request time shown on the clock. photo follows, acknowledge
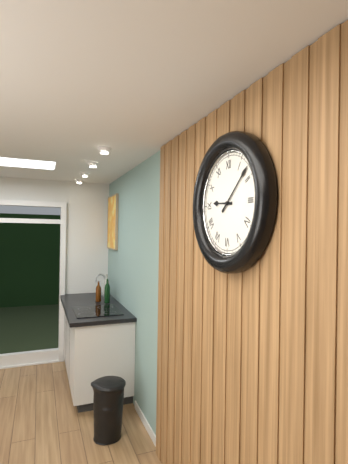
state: 9:08
